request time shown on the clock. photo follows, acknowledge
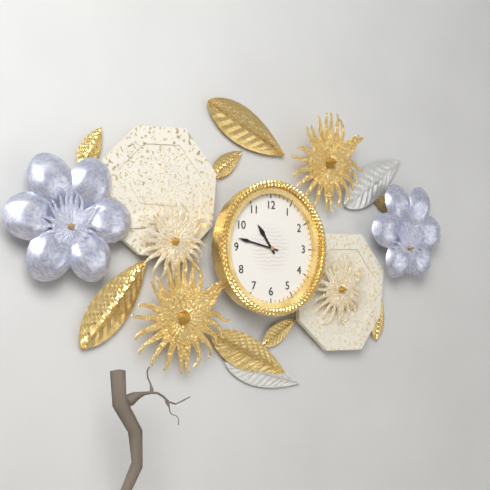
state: 10:47
